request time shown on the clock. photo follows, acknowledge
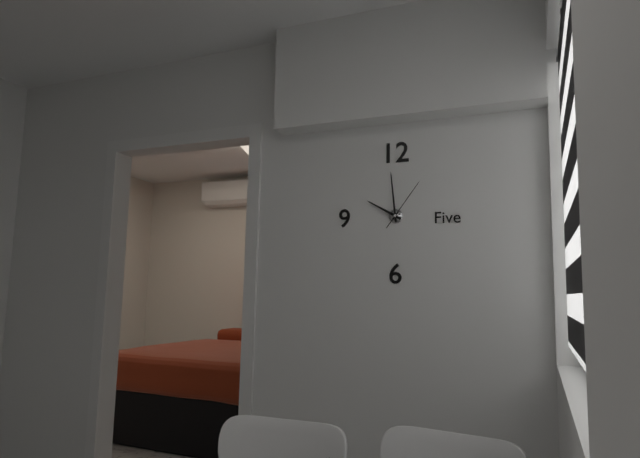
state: 9:59:06
